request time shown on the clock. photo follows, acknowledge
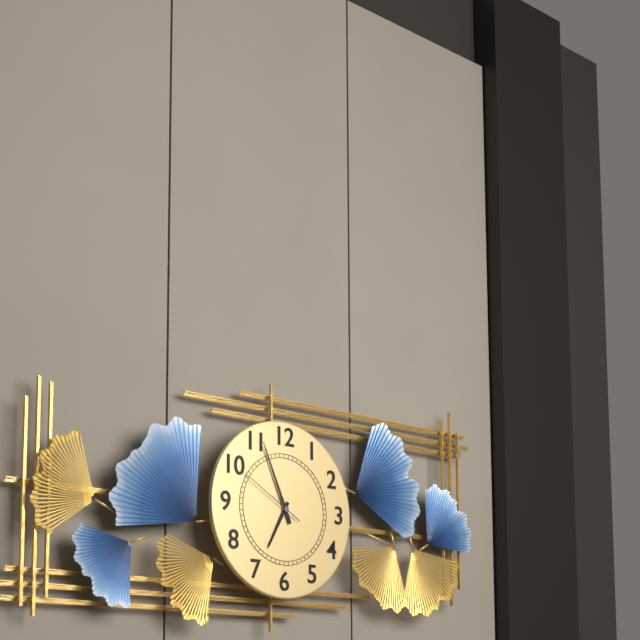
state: 6:56:50
